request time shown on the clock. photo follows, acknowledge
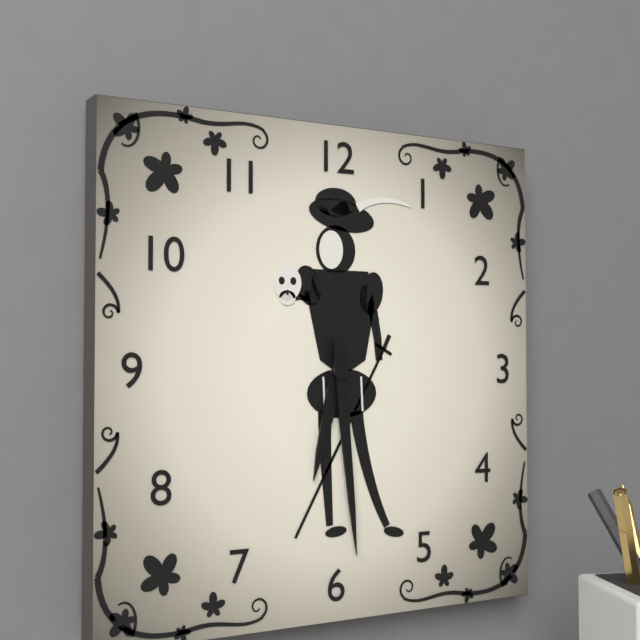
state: 6:29
